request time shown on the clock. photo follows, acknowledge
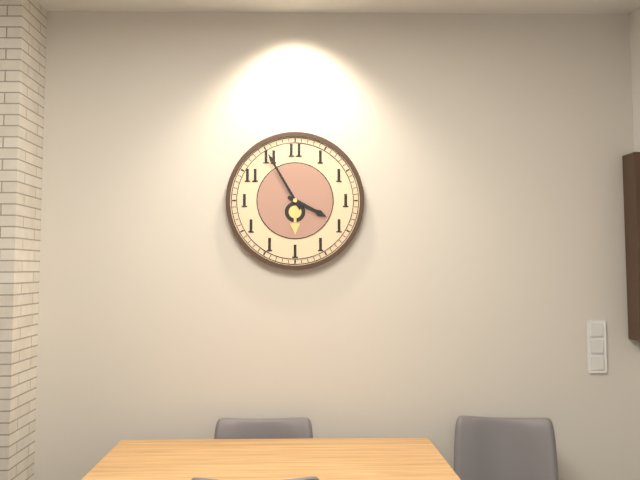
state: 3:55
